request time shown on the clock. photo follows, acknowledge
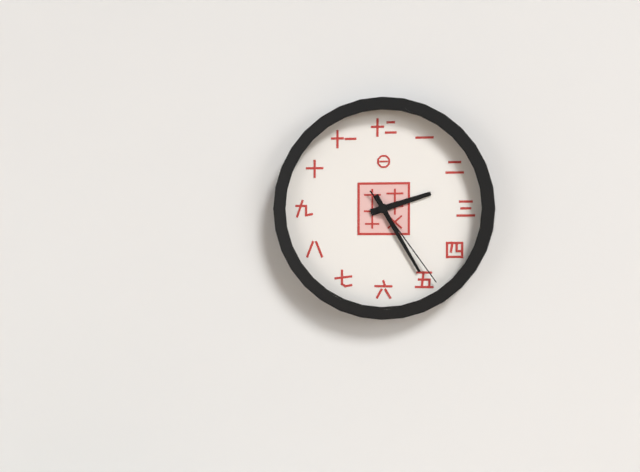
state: 2:25:24
